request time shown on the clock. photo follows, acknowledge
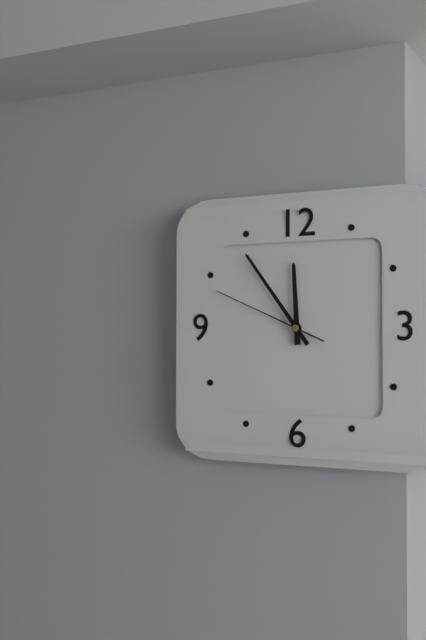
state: 11:54:49
